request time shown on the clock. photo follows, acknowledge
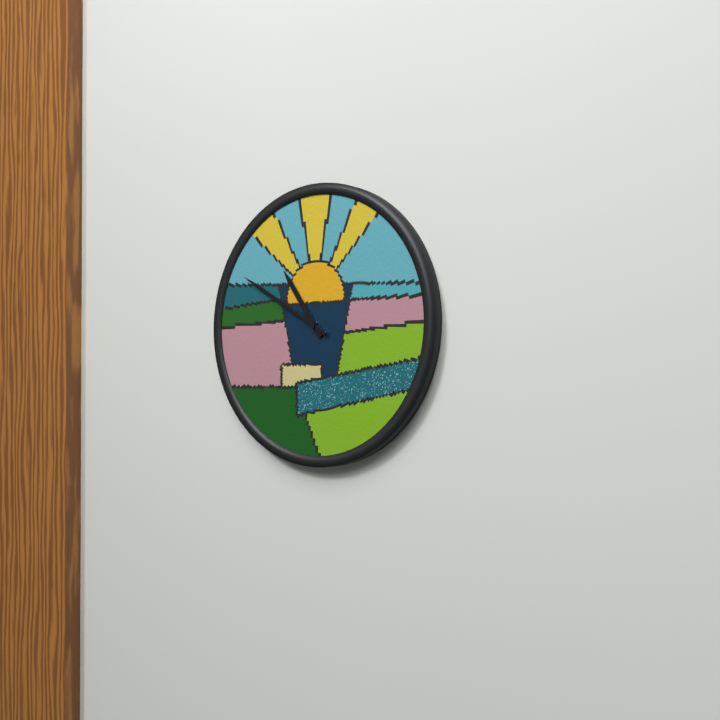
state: 10:50
